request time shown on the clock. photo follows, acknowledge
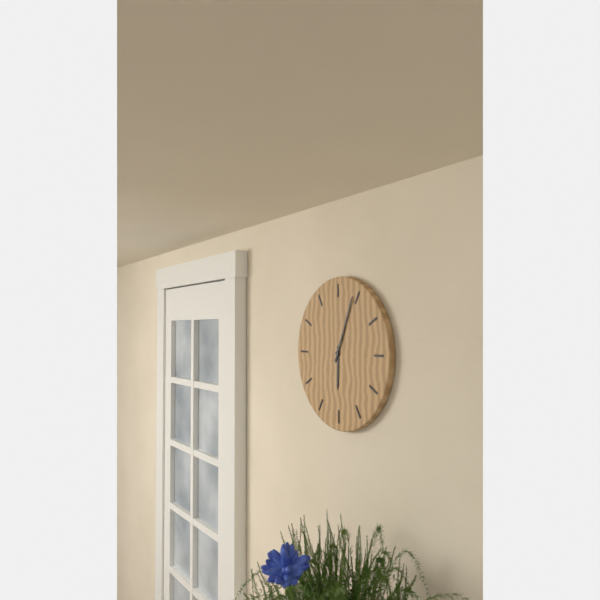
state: 6:04
